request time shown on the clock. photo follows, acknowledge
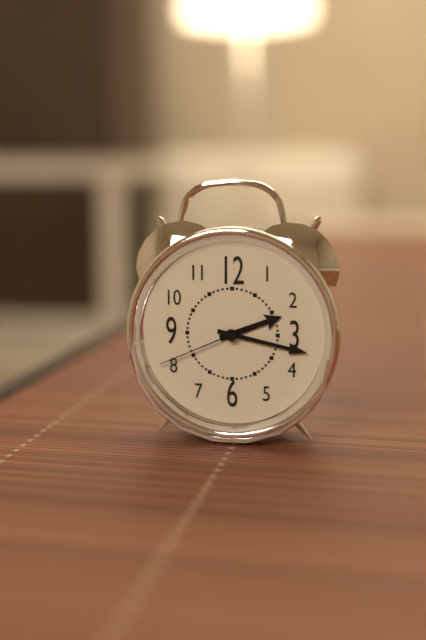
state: 2:17:41
